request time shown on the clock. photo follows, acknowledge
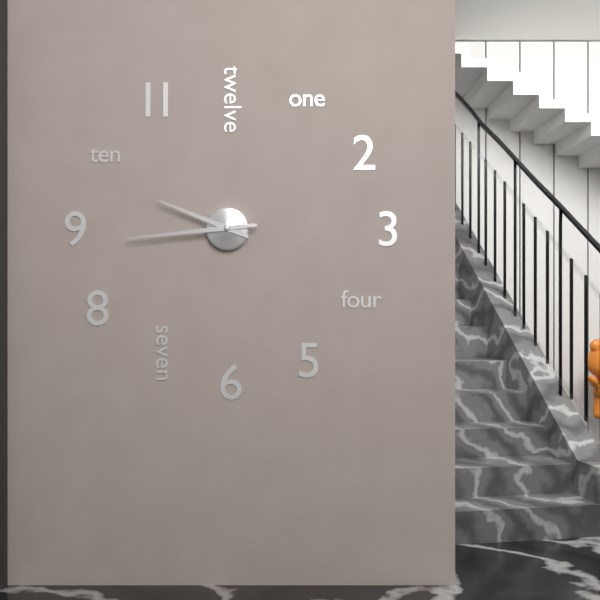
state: 9:44
